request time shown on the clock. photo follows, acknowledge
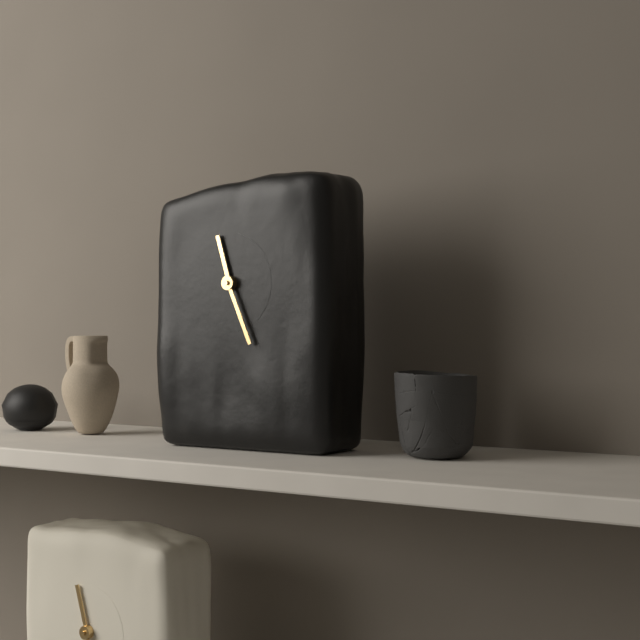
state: 11:26
